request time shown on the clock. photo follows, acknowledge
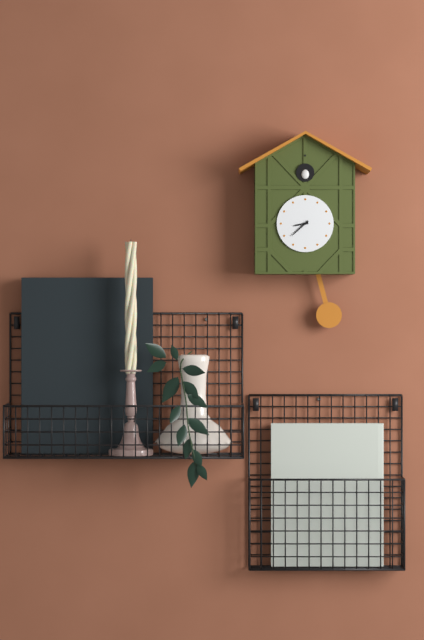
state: 8:38
